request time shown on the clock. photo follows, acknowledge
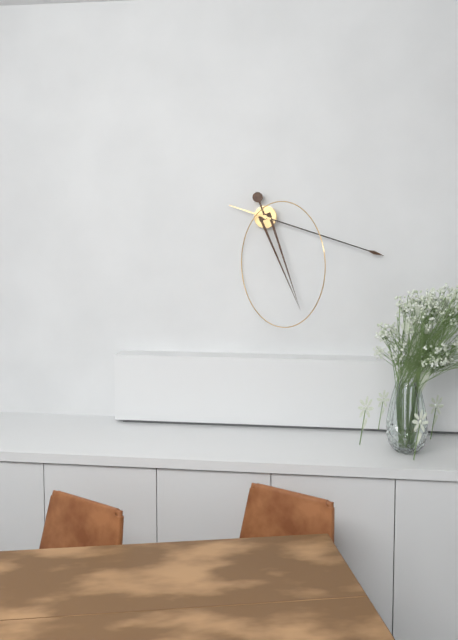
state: 5:18
